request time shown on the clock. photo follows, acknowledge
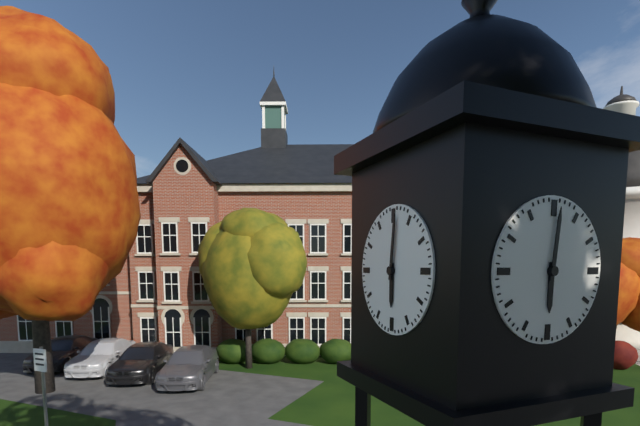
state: 6:01
